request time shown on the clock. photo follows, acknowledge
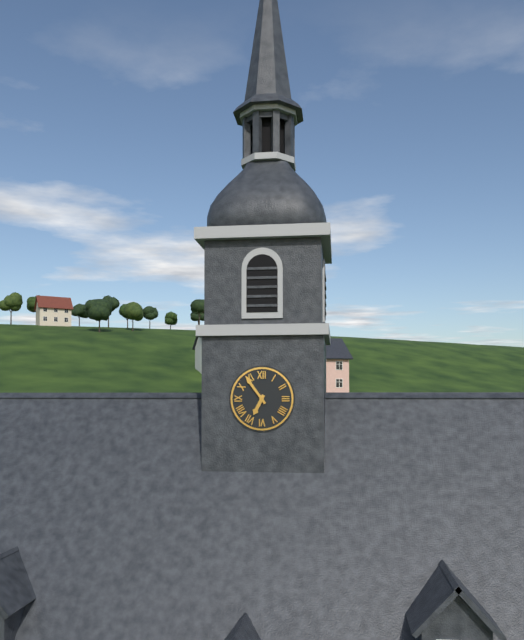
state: 6:54
